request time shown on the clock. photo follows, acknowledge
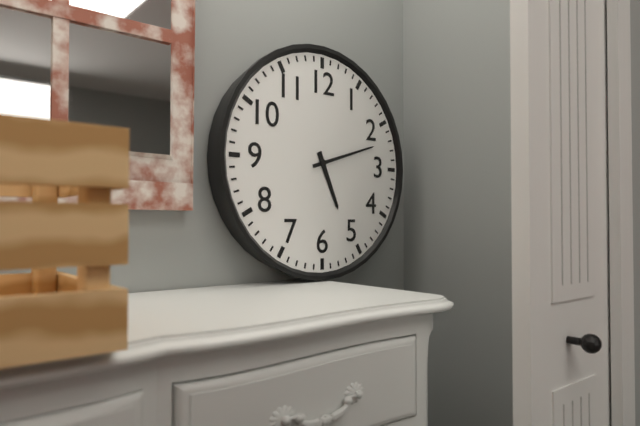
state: 5:12
